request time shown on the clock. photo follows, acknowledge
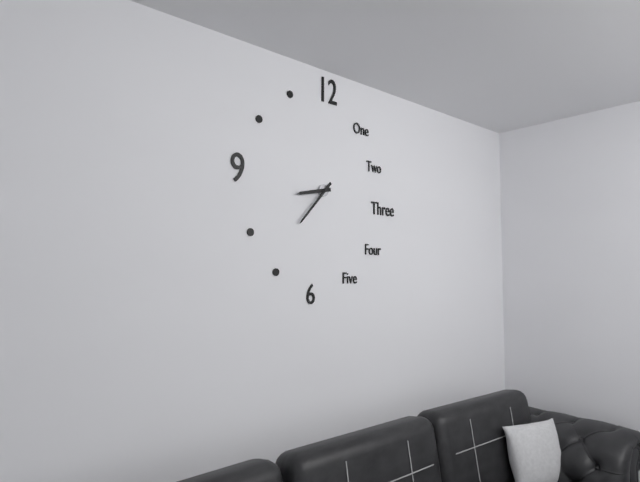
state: 8:37
